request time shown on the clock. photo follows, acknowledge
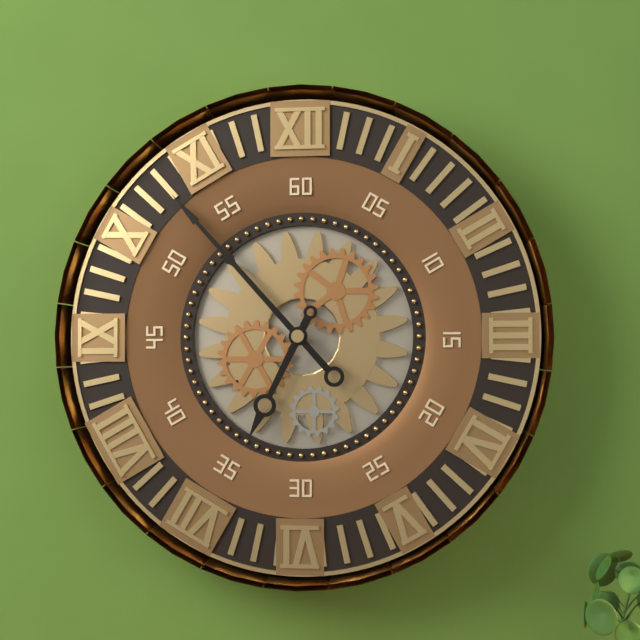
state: 6:53
